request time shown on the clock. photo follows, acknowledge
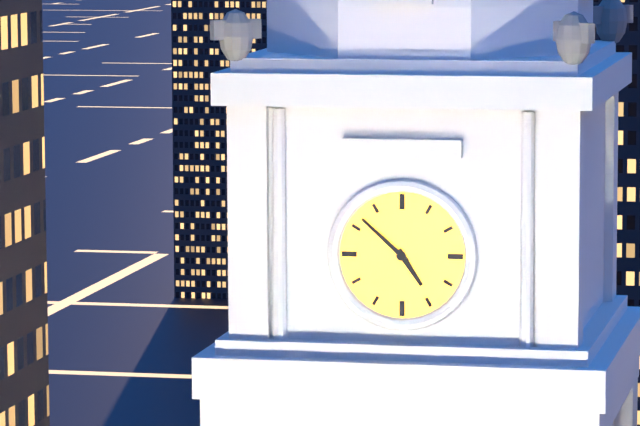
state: 4:52
